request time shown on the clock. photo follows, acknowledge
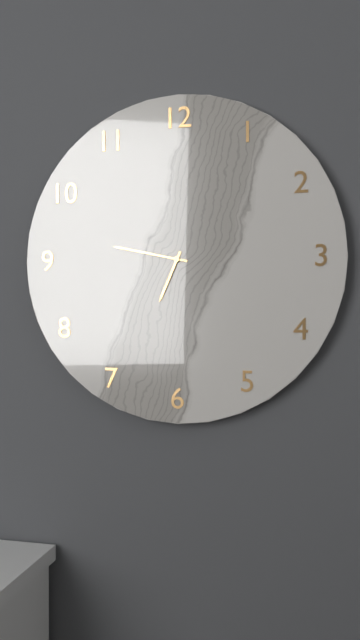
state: 6:47
